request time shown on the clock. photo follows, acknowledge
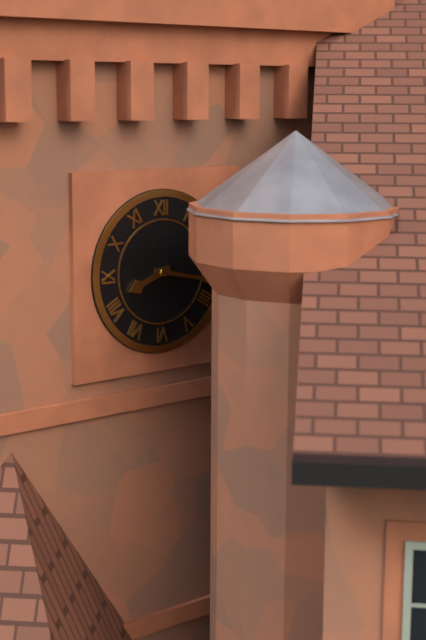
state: 8:17
